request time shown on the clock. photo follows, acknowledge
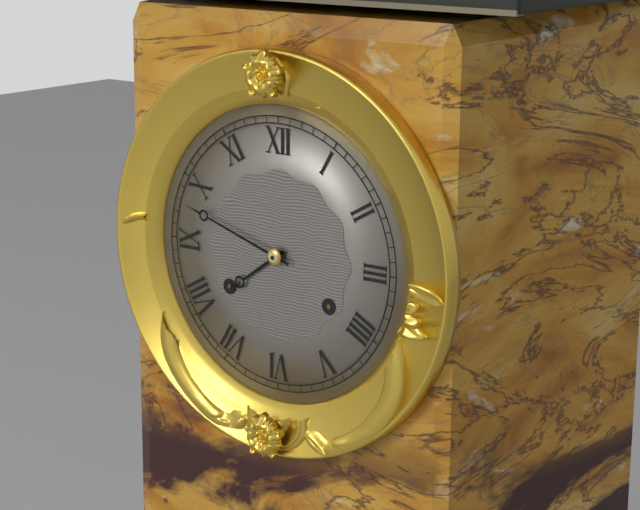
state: 7:48
